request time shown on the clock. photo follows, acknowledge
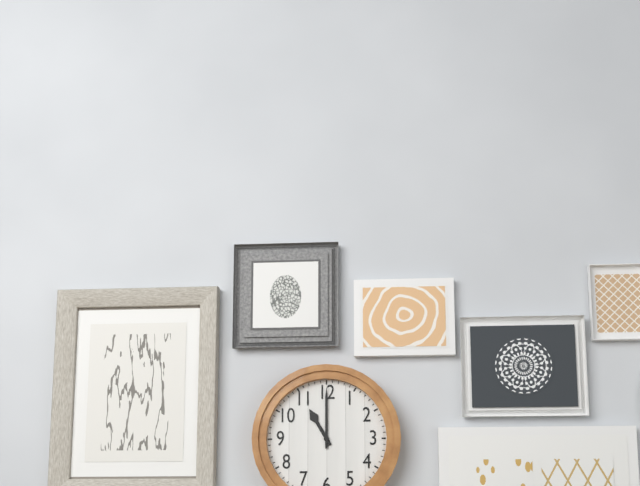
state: 11:00
